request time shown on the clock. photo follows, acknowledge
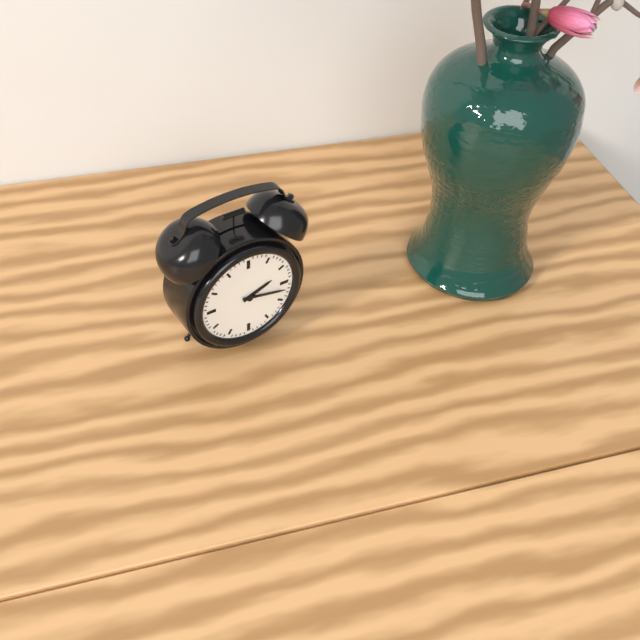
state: 2:17
